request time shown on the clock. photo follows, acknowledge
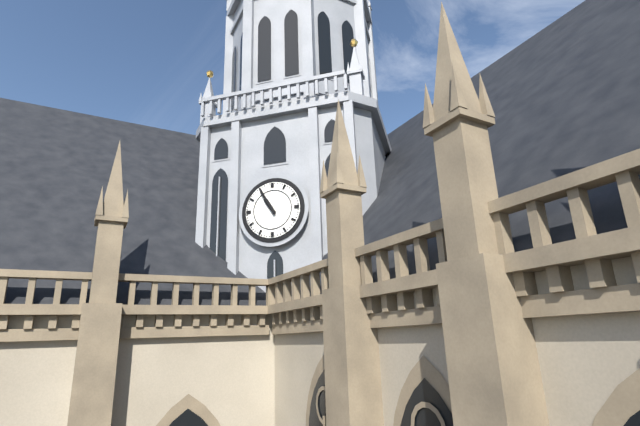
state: 10:55
